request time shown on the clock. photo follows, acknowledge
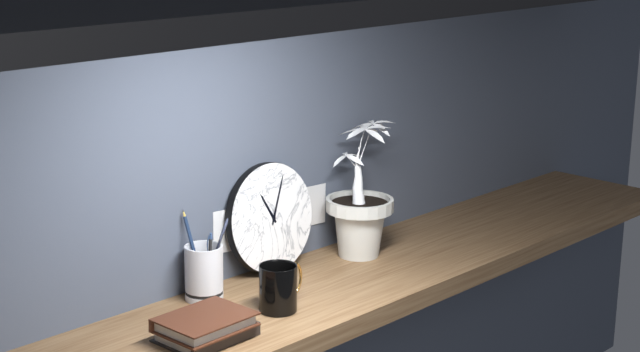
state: 11:04
